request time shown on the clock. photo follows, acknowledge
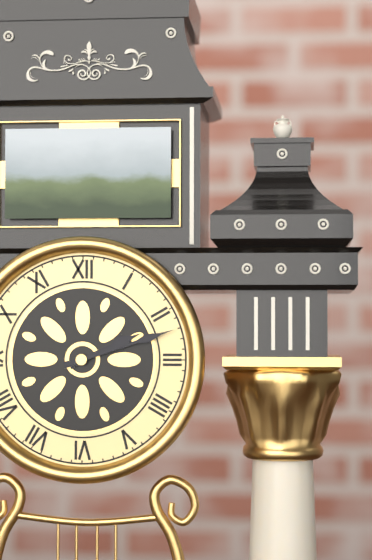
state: 2:12
